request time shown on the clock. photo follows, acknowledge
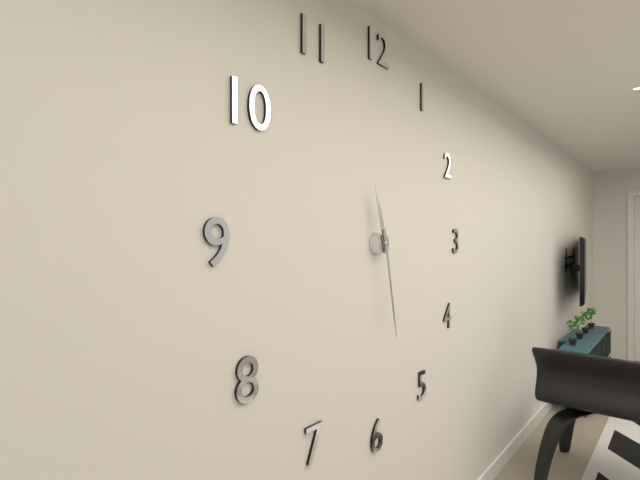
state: 11:28
